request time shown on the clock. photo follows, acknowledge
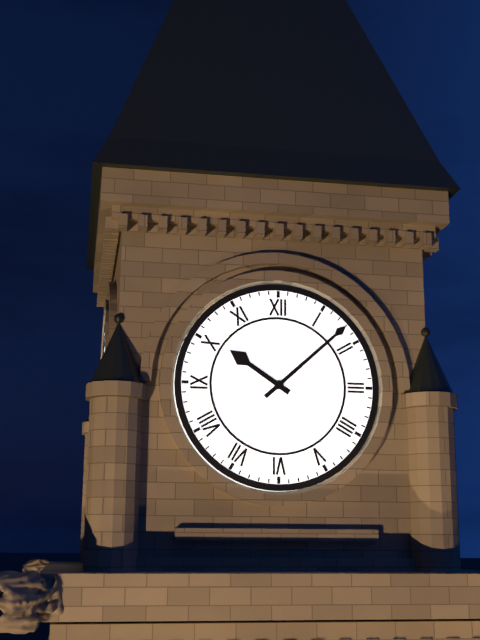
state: 10:08
